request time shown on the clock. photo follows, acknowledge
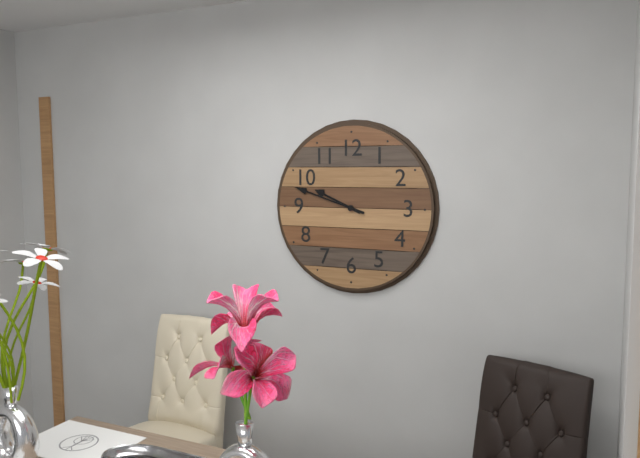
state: 9:48
